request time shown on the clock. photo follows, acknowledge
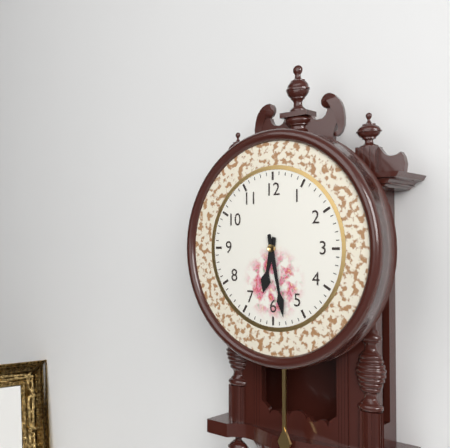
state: 6:28
